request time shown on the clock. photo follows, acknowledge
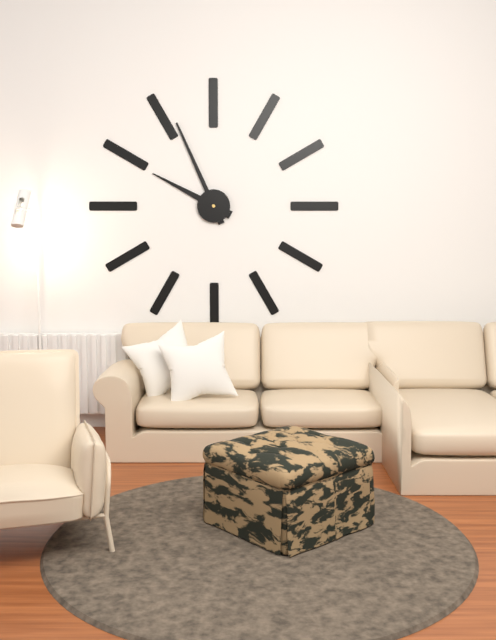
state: 9:56
